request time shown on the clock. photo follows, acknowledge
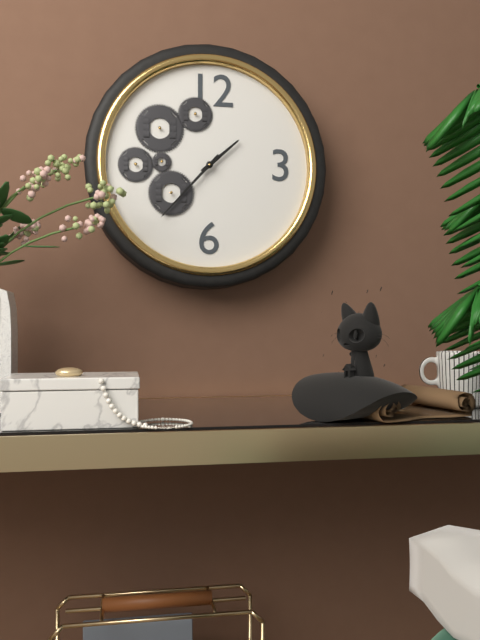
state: 1:37
